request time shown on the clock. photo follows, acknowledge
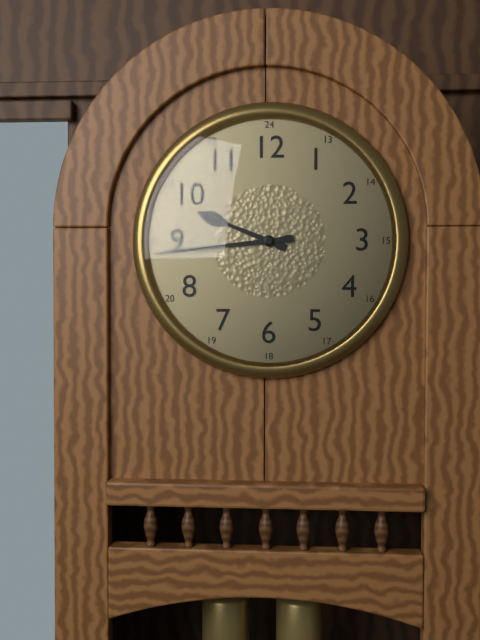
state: 9:44
